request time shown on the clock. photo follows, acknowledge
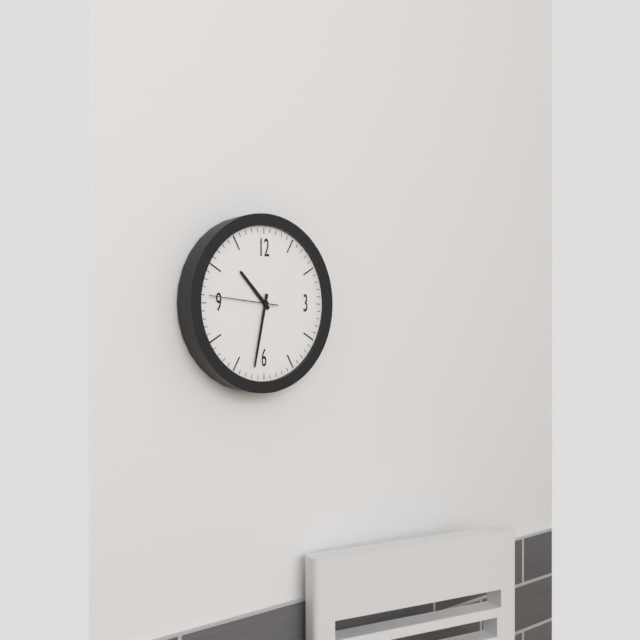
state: 10:32:46
